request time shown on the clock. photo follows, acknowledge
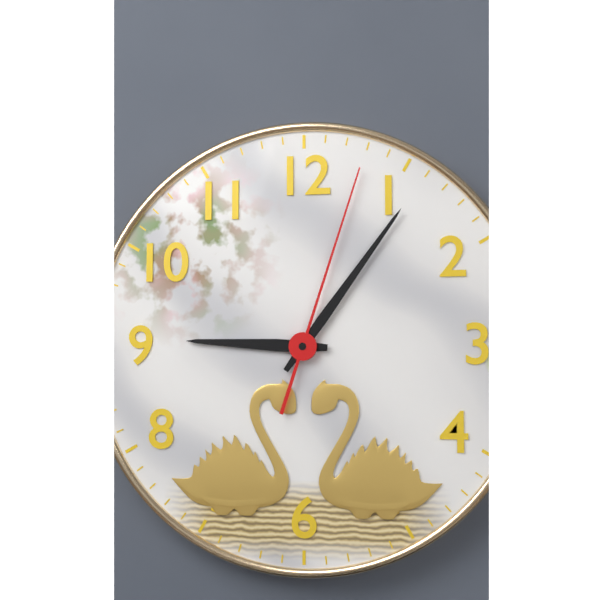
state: 9:06:03
